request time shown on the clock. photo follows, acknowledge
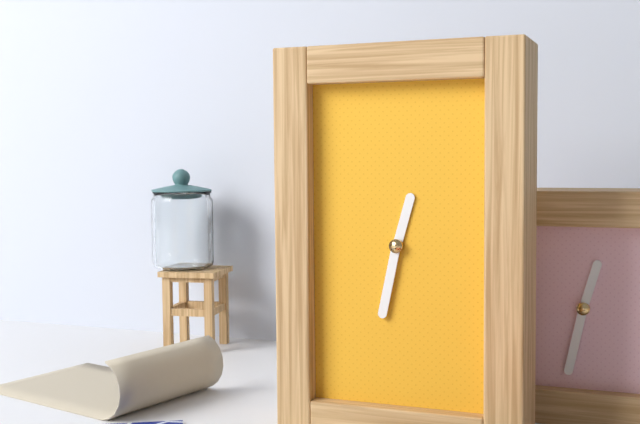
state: 12:32
